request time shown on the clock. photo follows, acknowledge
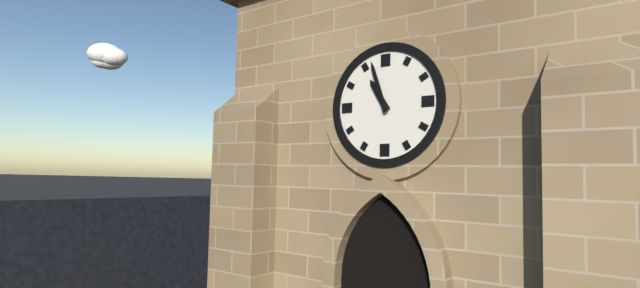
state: 10:57
